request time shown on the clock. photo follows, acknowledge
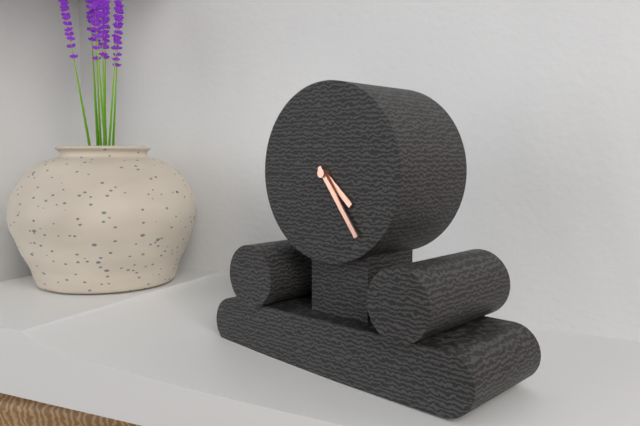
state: 4:24
